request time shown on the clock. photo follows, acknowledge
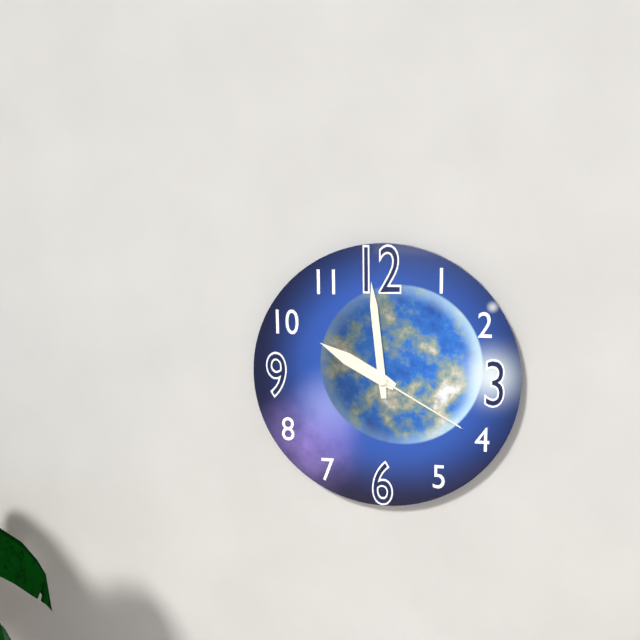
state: 9:59:20
